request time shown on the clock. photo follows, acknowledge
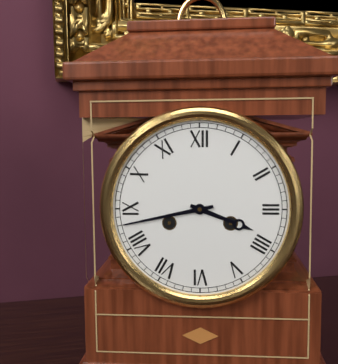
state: 3:43
